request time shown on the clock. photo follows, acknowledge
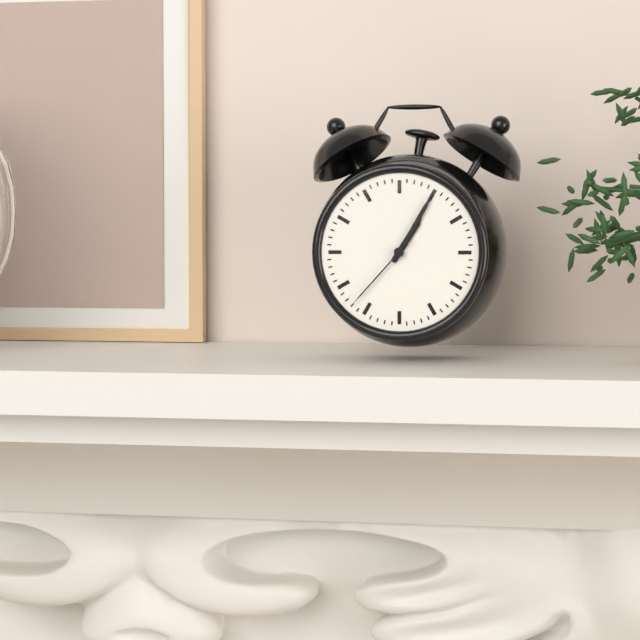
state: 1:05:37
